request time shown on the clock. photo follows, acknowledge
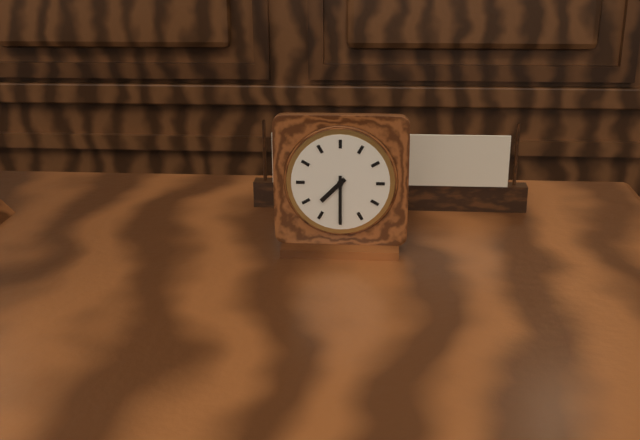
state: 7:30
